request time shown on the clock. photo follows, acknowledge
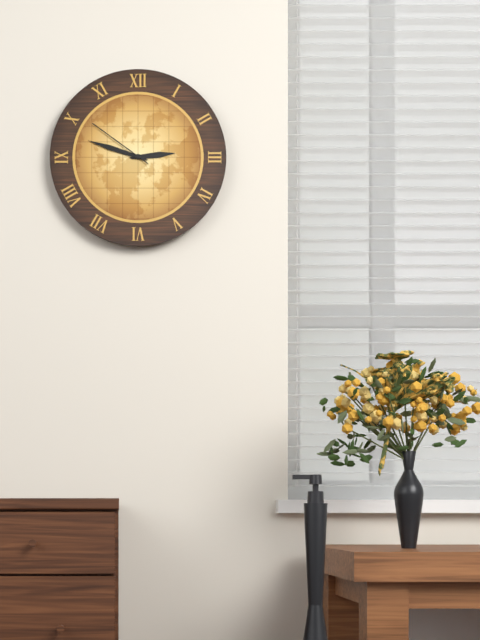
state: 2:48:51
